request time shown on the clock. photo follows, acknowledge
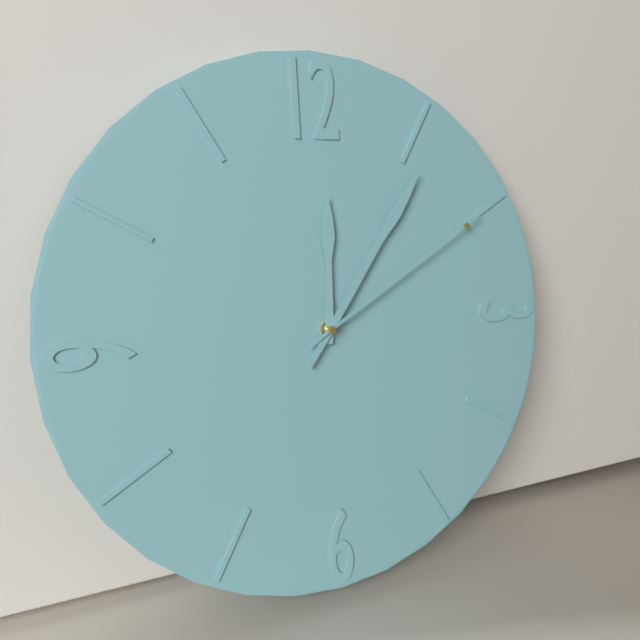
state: 12:06:10
